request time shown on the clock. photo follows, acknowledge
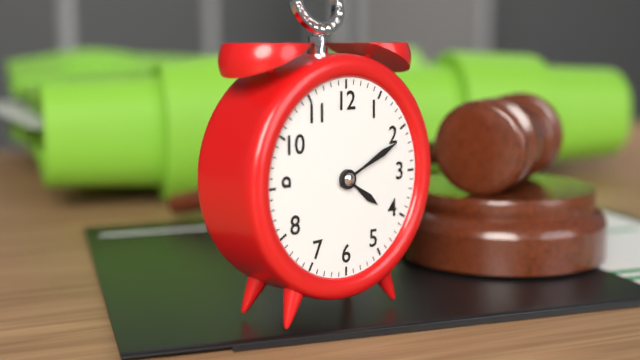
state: 4:11
